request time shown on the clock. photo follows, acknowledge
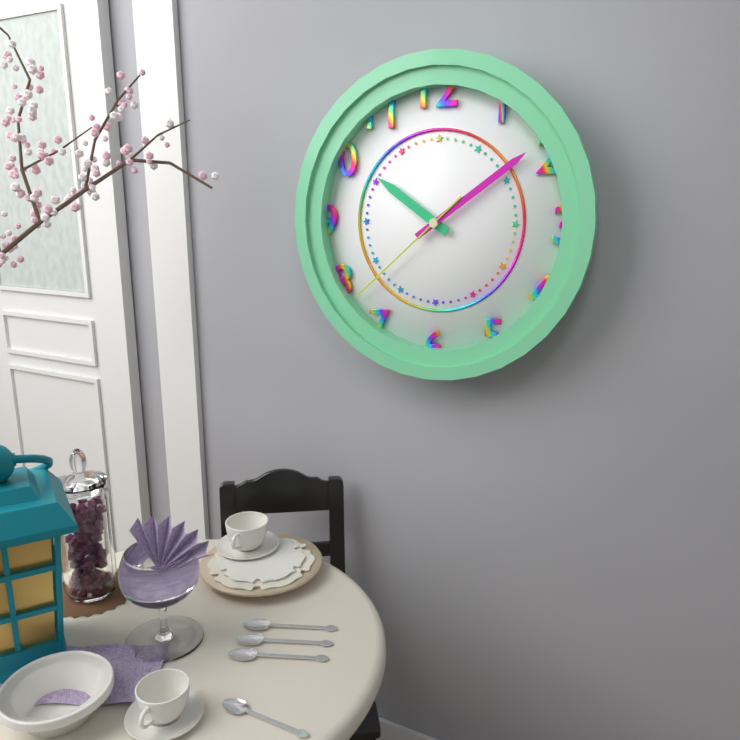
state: 10:09:38
